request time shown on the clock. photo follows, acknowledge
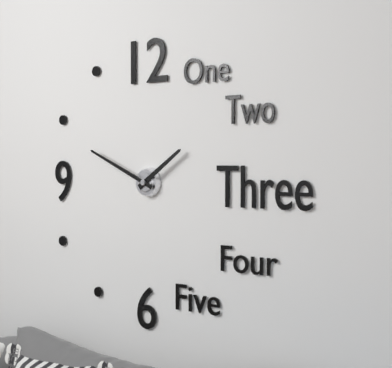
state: 1:49
